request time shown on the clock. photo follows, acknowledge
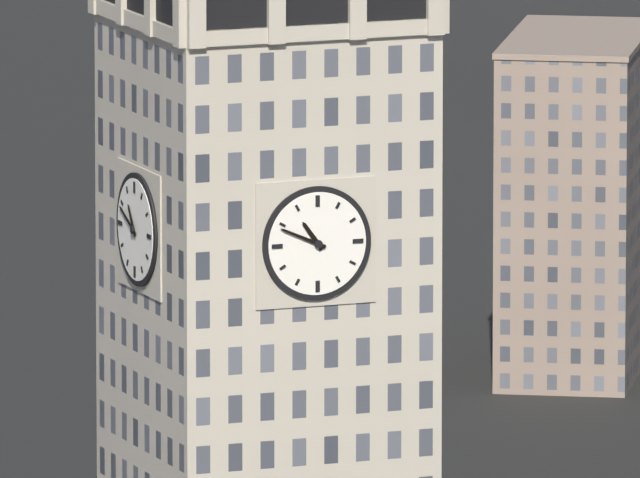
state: 10:49
